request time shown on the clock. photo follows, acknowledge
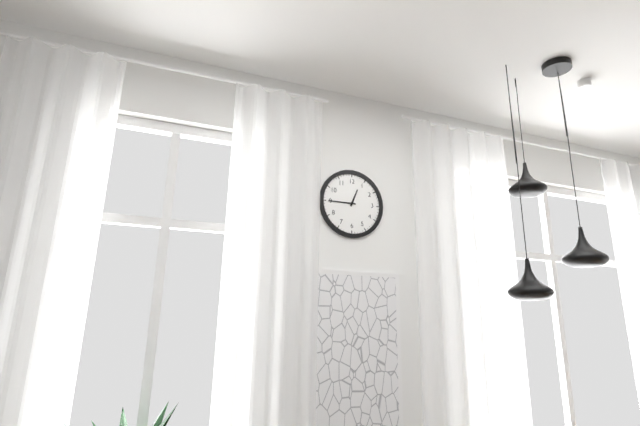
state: 12:45
